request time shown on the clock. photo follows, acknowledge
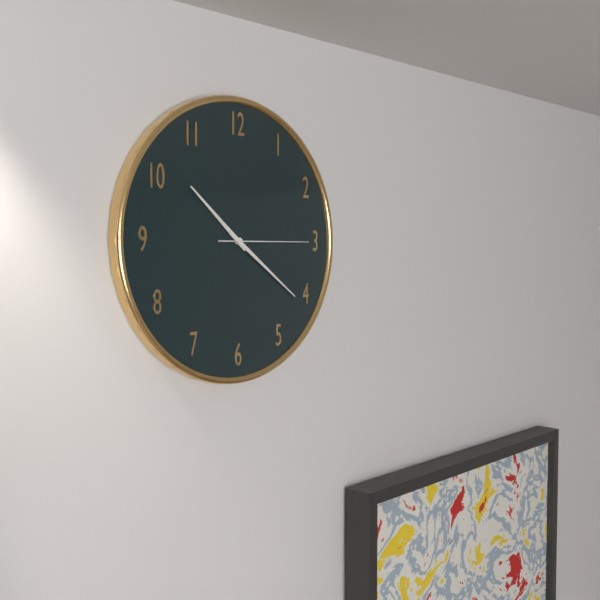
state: 10:21:15
